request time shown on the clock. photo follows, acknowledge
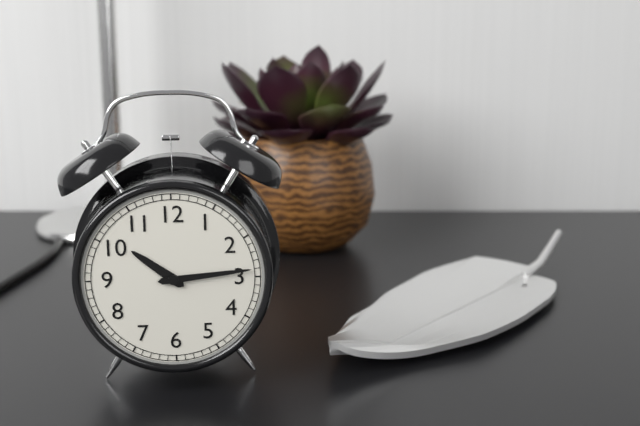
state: 10:14
